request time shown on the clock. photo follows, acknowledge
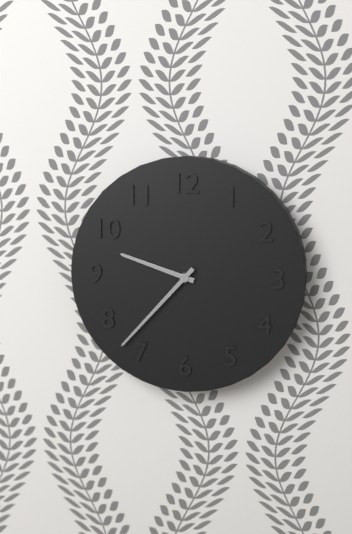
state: 9:37
